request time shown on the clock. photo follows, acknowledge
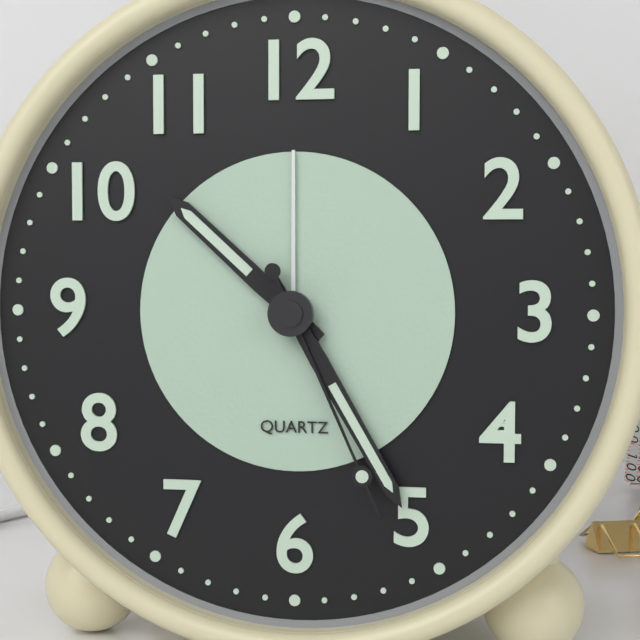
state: 10:25:26
